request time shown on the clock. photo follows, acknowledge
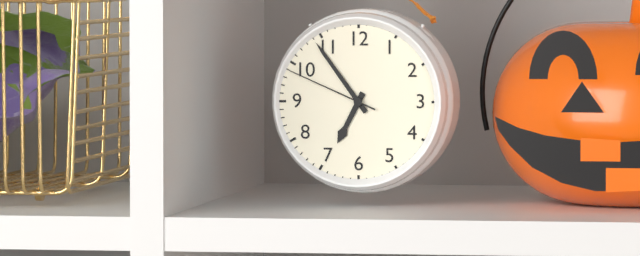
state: 6:54:49
